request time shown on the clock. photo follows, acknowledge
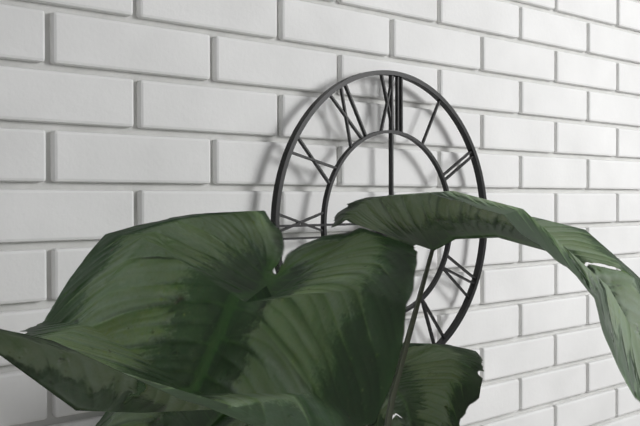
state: 7:43
